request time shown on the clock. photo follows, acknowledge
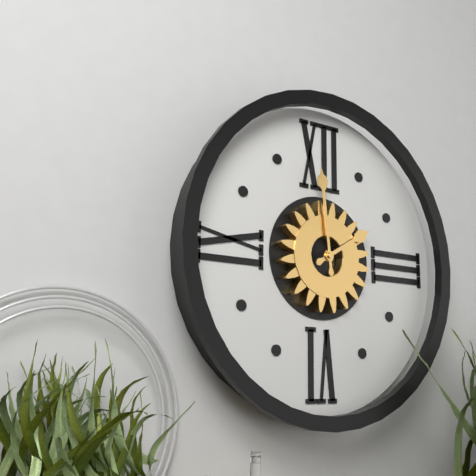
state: 1:59
